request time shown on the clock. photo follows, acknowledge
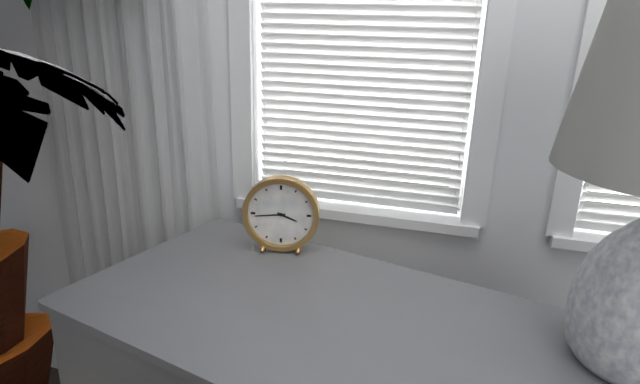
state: 3:44
